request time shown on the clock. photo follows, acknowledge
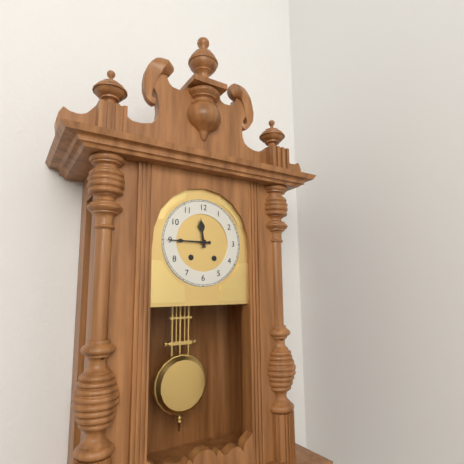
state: 11:45
